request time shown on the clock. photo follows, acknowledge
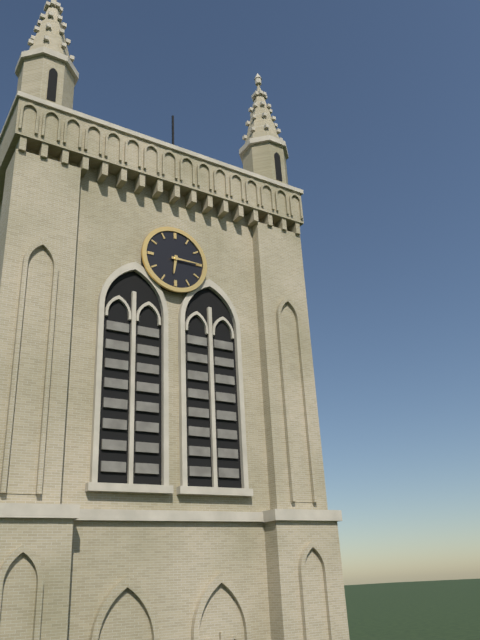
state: 6:15
